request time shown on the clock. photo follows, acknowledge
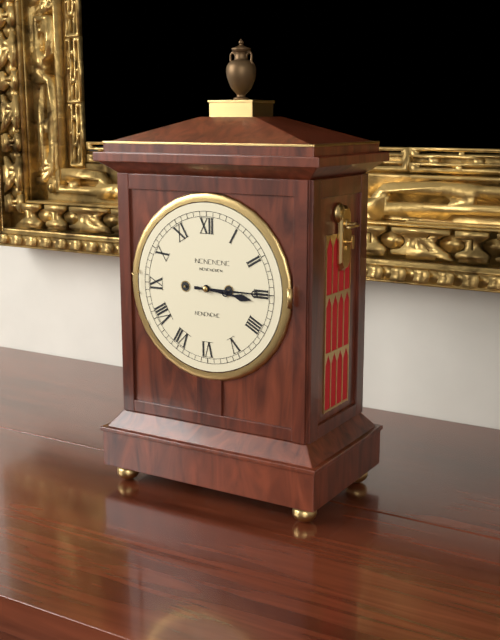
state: 3:15
